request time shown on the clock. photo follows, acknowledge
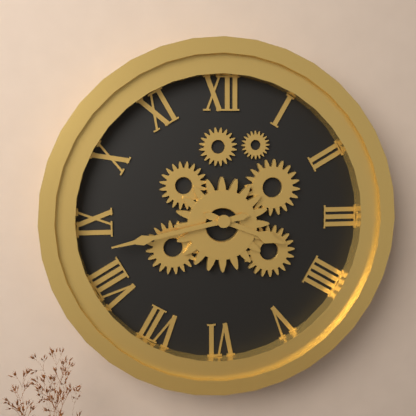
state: 3:43
